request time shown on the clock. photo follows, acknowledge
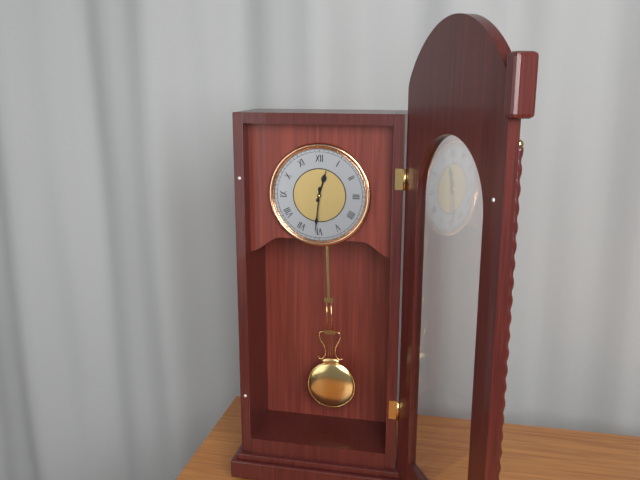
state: 12:31
